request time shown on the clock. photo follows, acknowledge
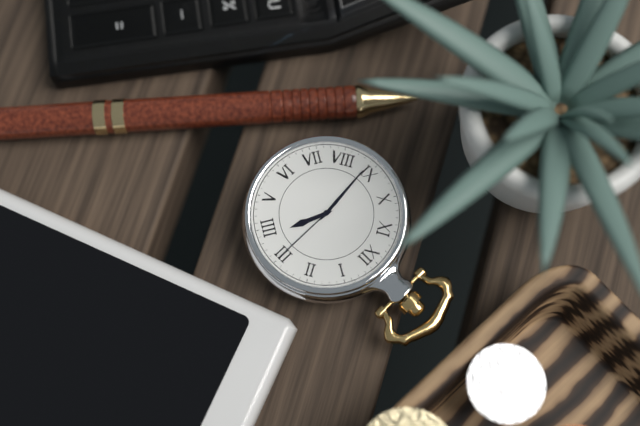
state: 3:44:15
